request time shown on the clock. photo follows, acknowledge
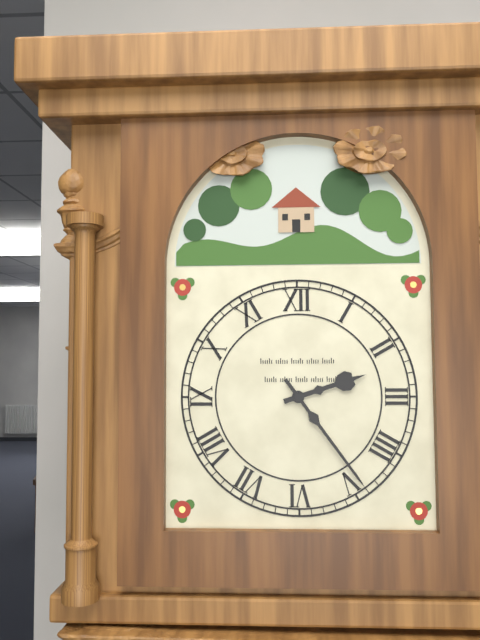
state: 2:24
